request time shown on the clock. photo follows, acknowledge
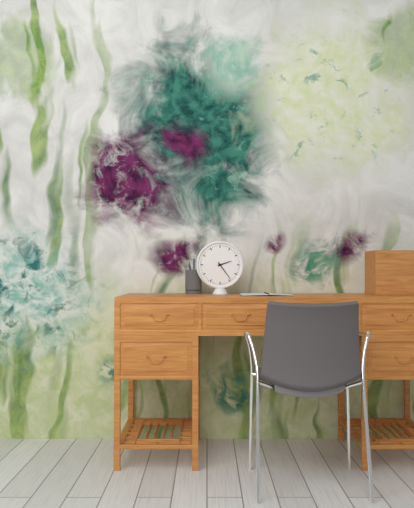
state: 2:24
